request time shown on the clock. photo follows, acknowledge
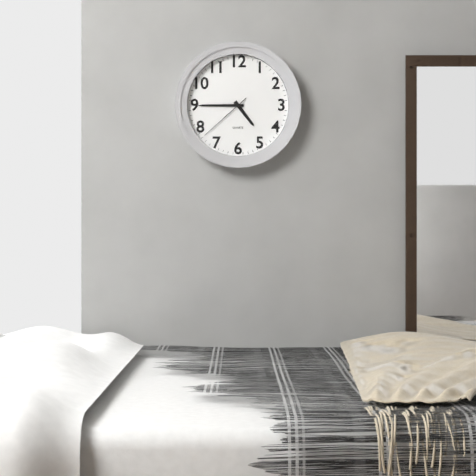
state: 4:45:38
